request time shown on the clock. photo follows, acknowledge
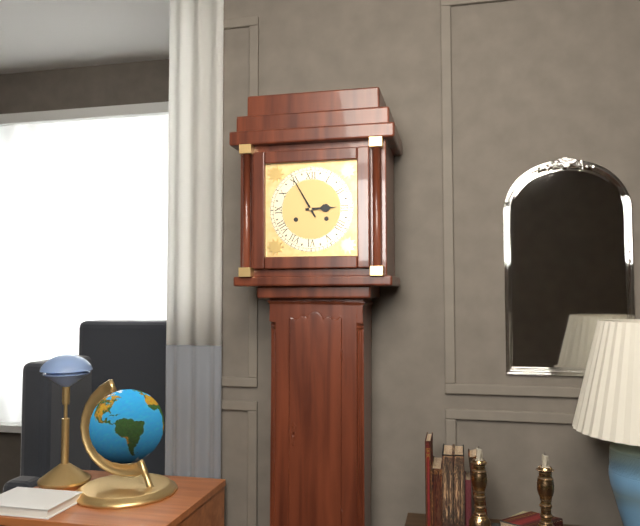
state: 2:55
